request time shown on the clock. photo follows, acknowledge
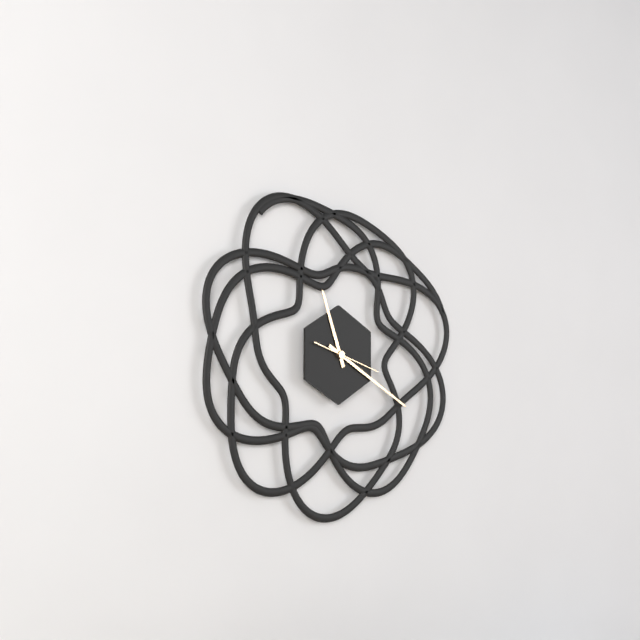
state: 11:20:18
